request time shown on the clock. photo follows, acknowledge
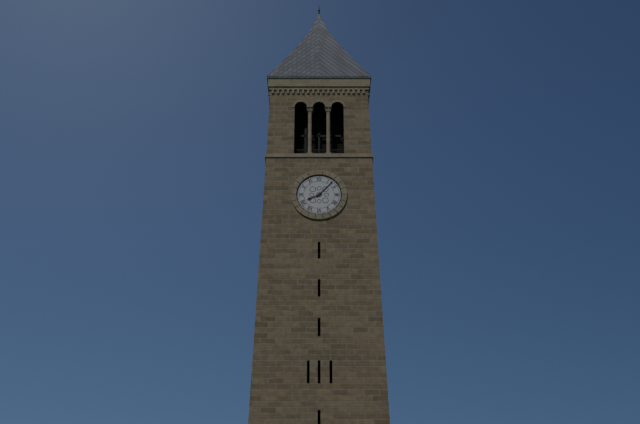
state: 8:07
